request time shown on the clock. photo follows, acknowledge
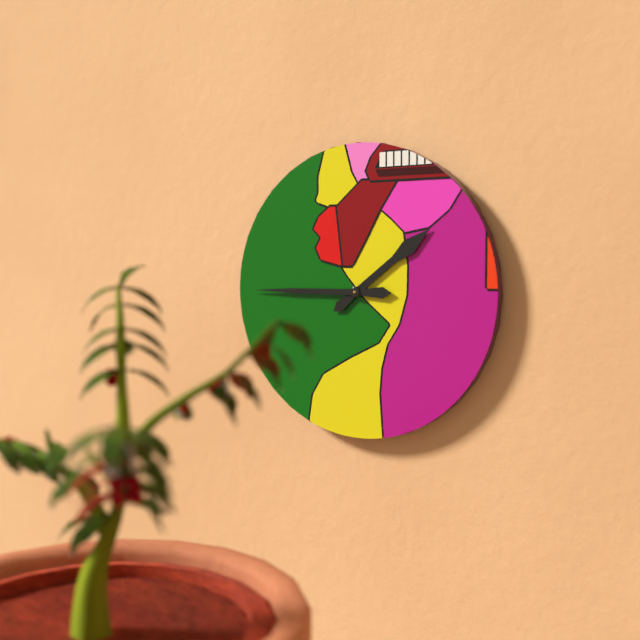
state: 1:45
